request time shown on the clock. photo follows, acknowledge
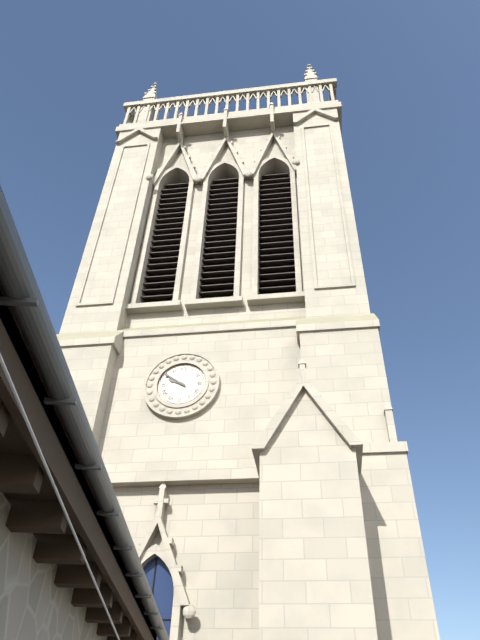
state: 9:51
